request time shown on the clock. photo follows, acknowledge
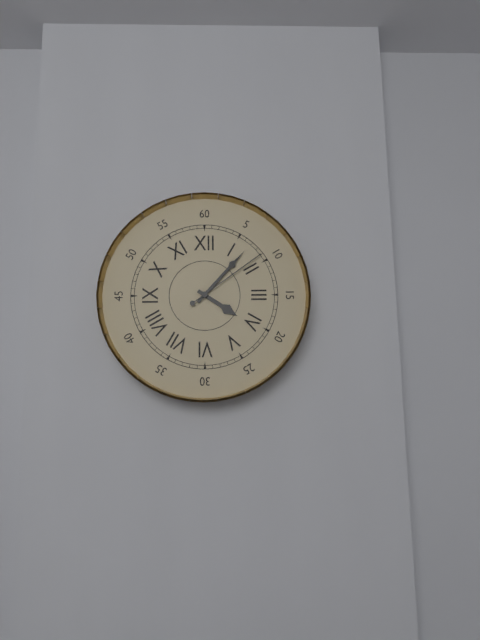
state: 4:07:09
